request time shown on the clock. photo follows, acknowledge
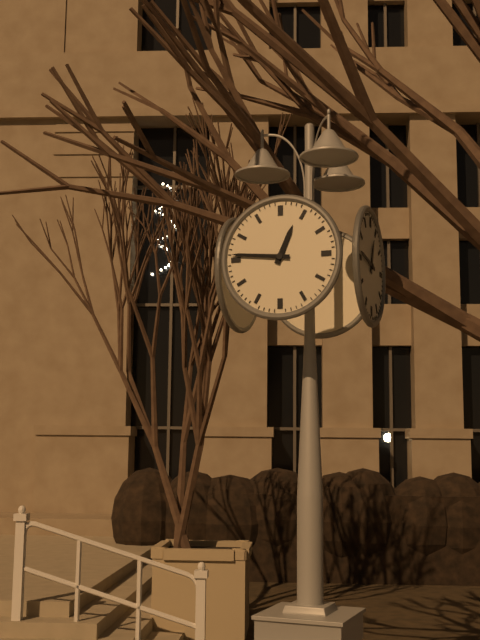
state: 12:46
